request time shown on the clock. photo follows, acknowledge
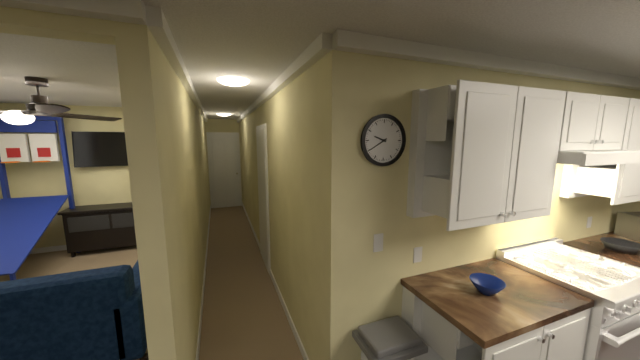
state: 9:40
